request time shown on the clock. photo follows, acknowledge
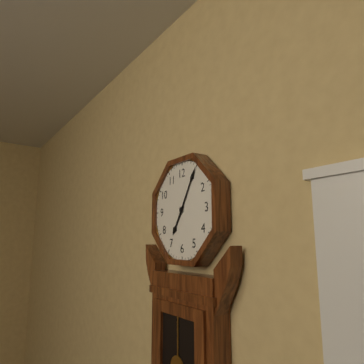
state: 7:05
